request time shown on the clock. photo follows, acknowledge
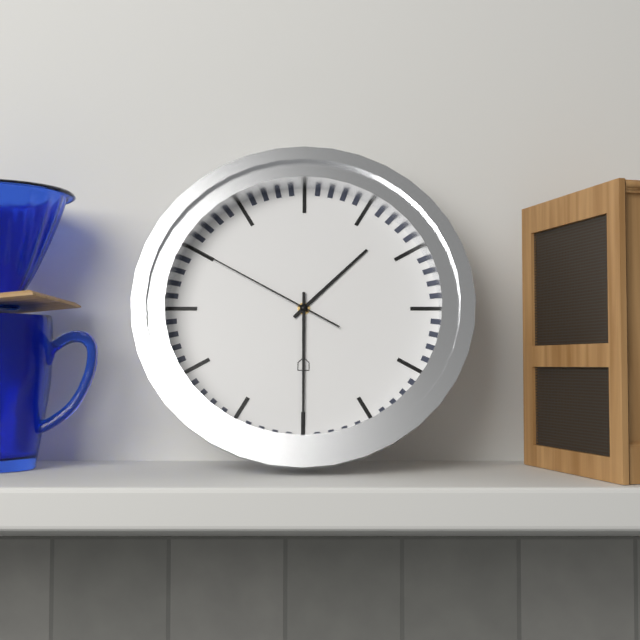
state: 1:30:50
